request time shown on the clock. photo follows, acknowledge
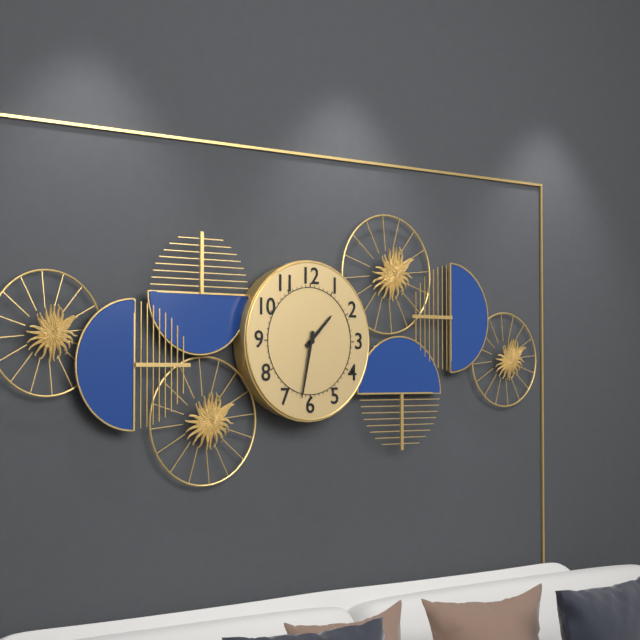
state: 1:32
